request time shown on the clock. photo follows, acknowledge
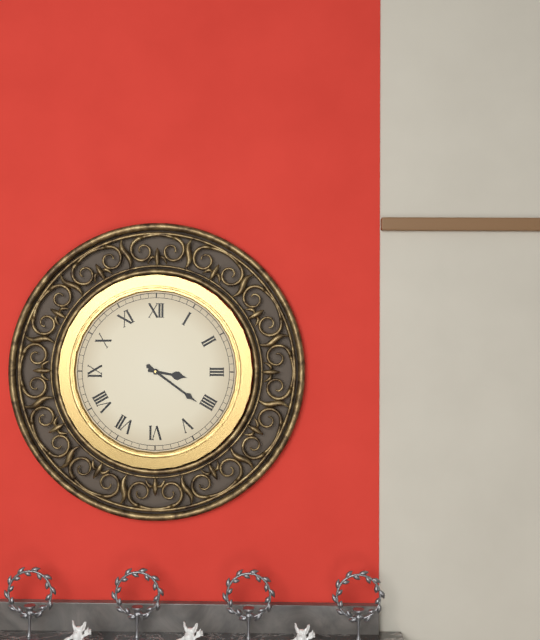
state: 3:21
